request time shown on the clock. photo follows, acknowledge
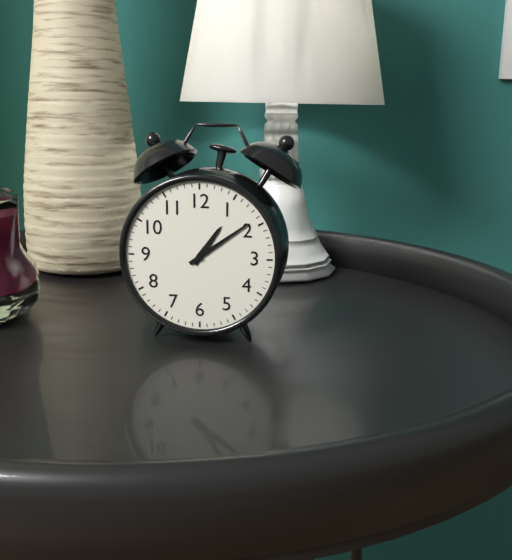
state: 1:09
